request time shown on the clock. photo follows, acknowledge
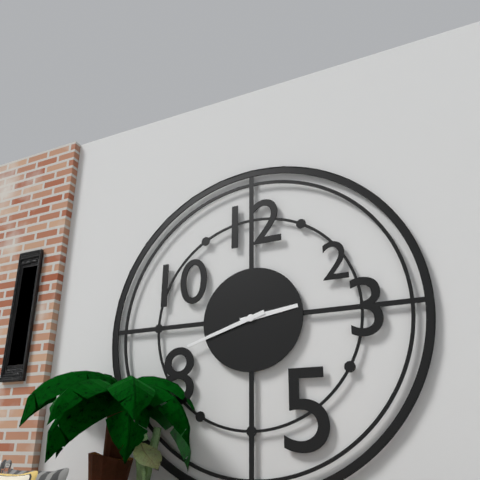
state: 2:42
